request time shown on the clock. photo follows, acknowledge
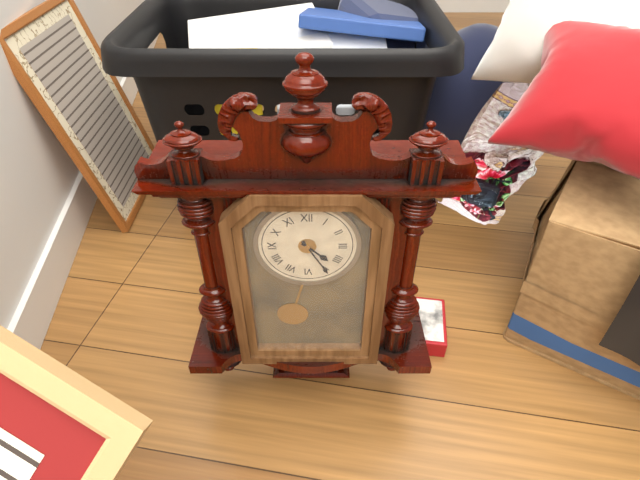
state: 4:25
